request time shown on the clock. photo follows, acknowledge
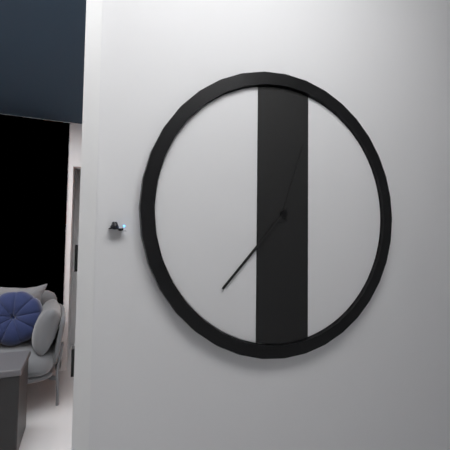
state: 12:37
